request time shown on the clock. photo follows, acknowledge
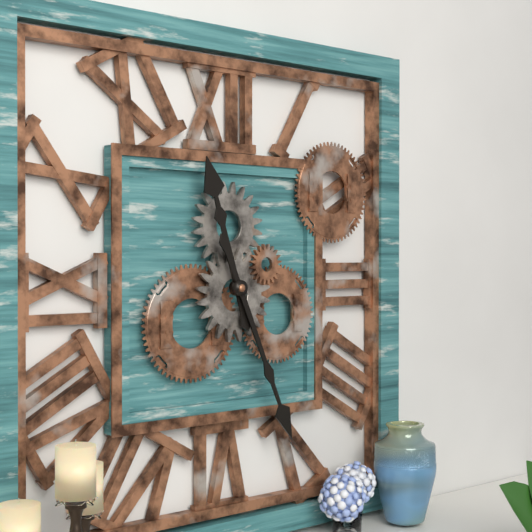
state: 11:26
